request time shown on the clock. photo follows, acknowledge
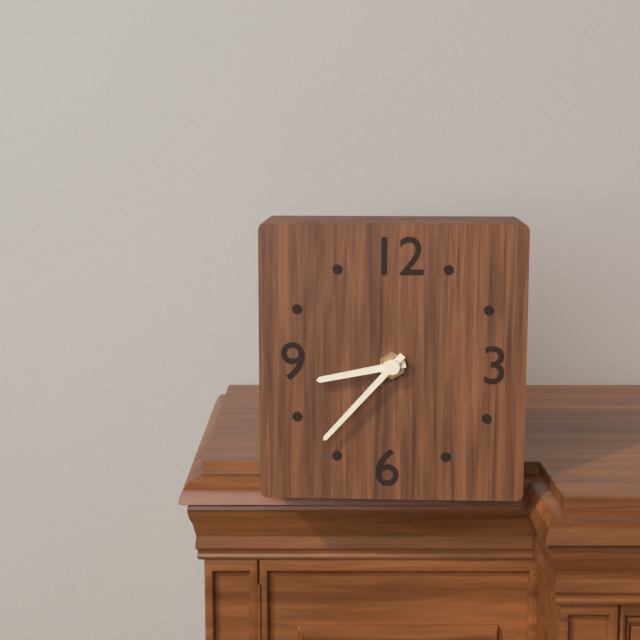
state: 8:37
